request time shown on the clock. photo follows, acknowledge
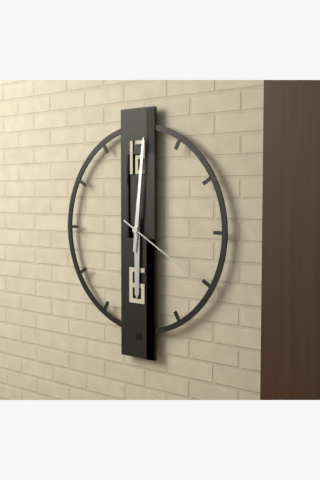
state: 6:01:20
